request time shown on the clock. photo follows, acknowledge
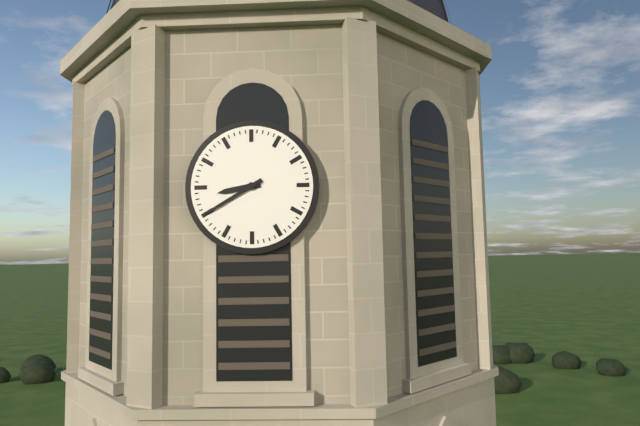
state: 8:40
